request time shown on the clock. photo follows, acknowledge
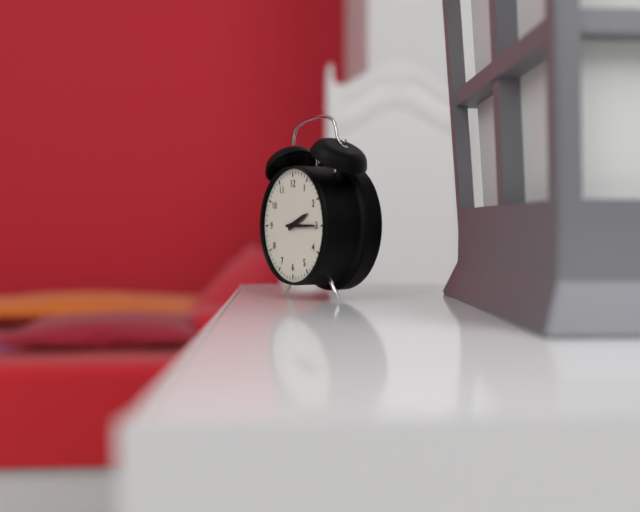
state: 2:15
